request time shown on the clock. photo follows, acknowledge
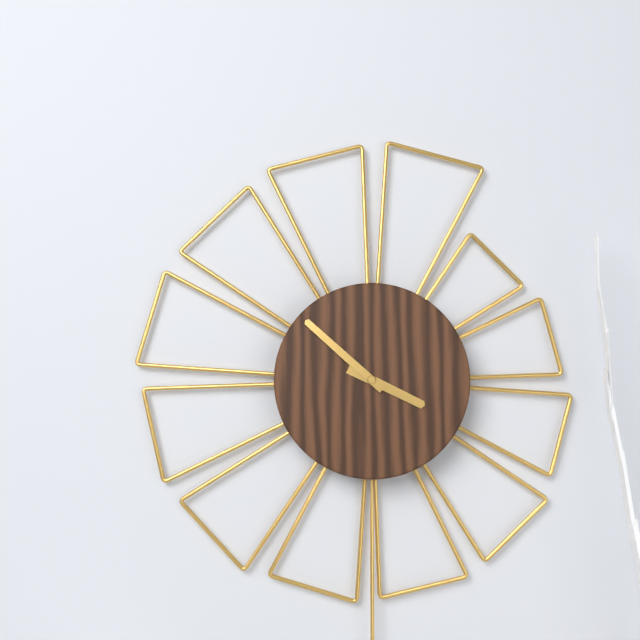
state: 3:52
